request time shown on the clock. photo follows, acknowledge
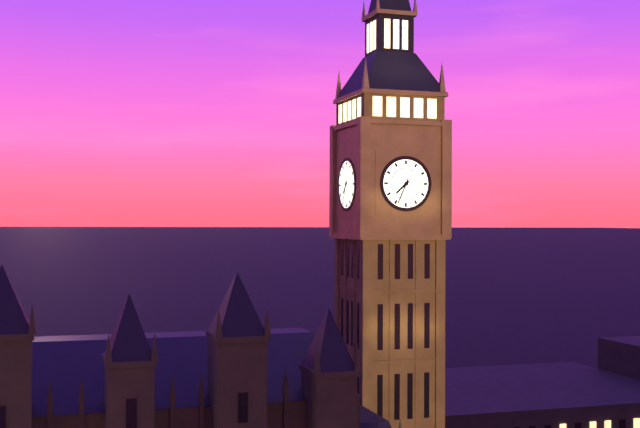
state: 7:34
